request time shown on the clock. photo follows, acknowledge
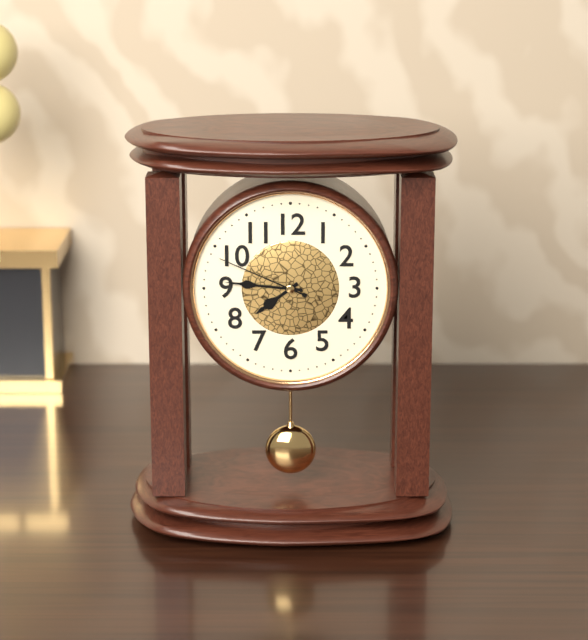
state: 7:46:49
